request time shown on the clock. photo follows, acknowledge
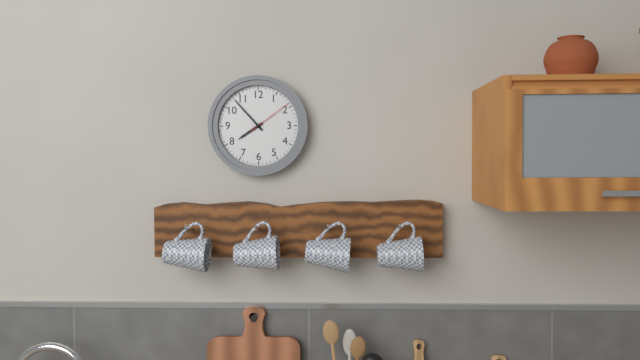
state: 7:53
